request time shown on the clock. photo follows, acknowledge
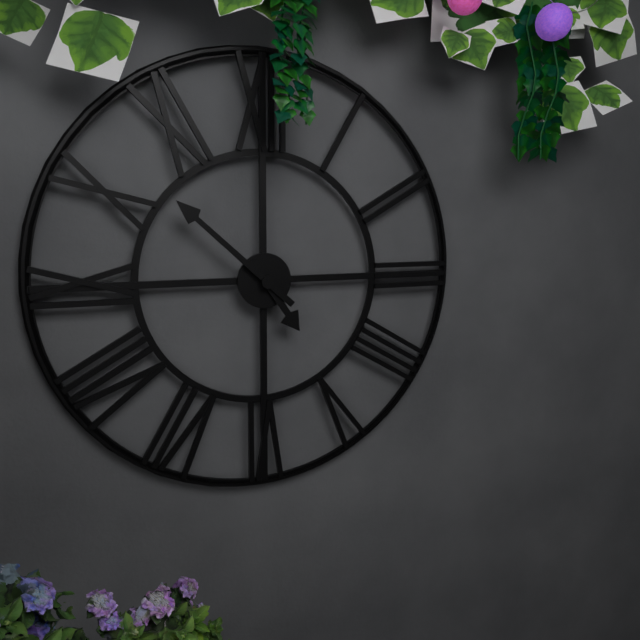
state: 4:52
